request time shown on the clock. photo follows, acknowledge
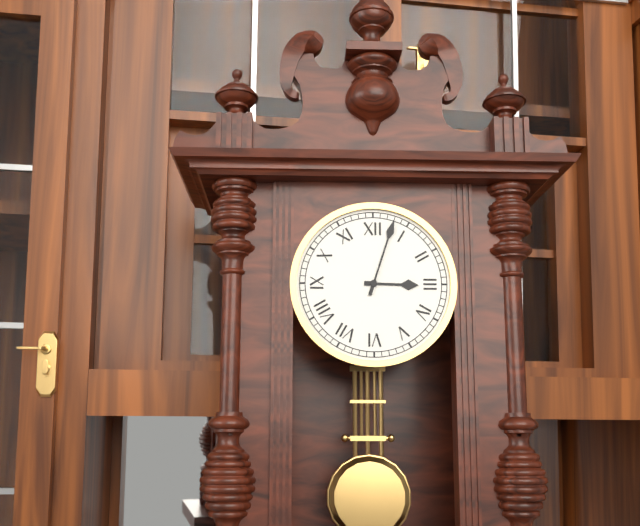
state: 3:03
